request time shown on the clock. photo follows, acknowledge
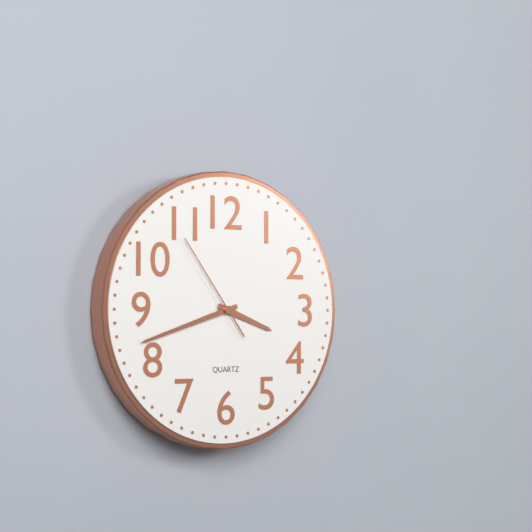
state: 3:42:54
